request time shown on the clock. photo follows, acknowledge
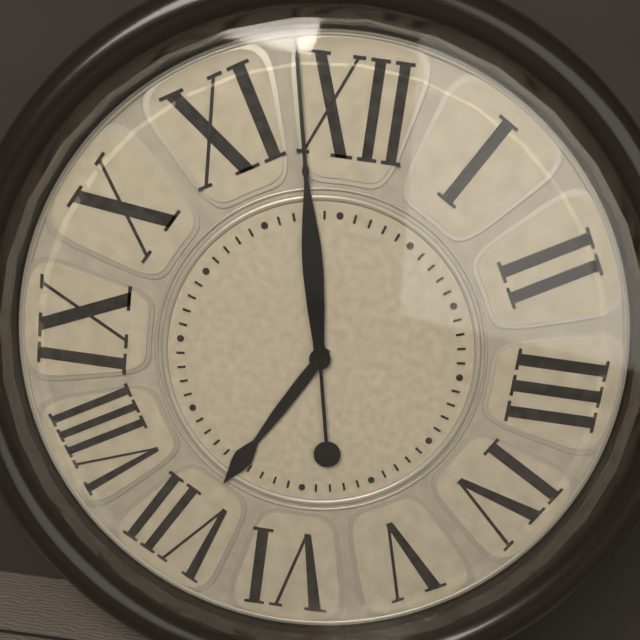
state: 6:58
